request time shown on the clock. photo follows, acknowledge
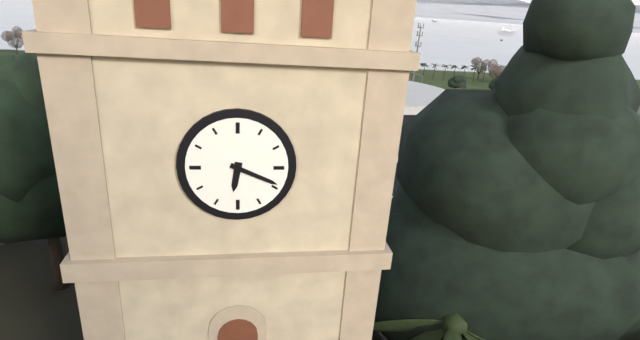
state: 6:19
